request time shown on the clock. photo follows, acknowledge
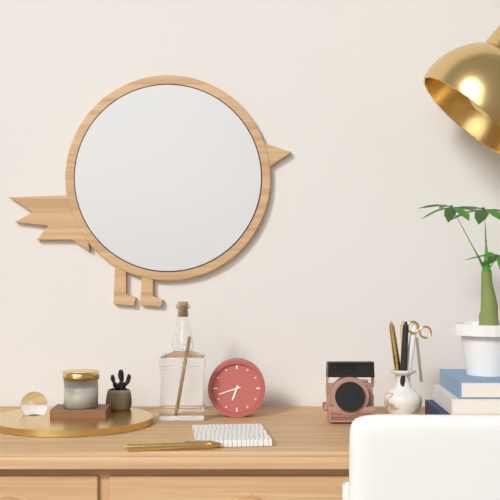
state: 6:42
